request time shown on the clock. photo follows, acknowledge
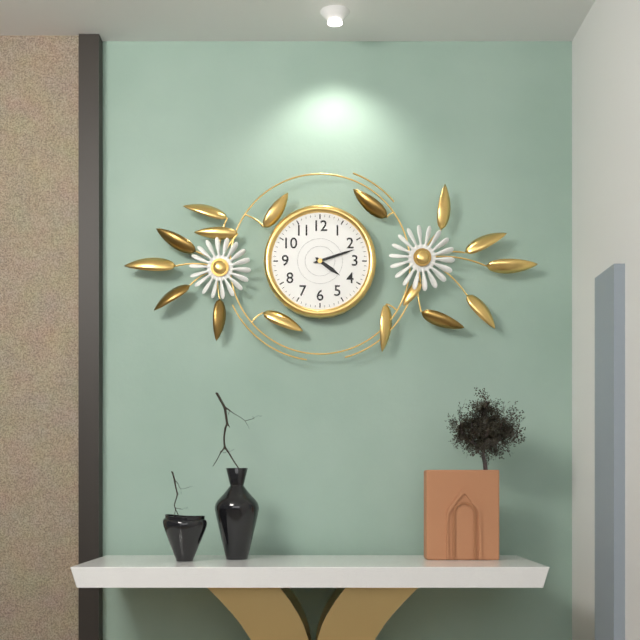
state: 4:12
